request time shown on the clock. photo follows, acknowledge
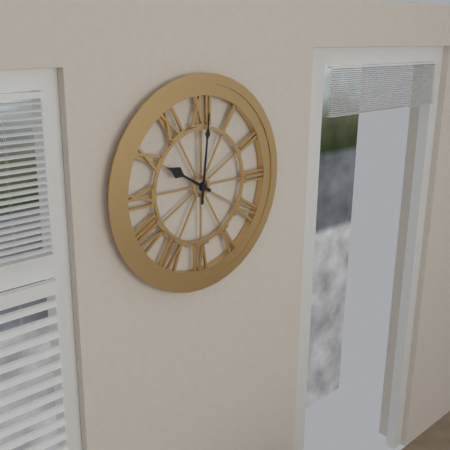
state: 10:01
